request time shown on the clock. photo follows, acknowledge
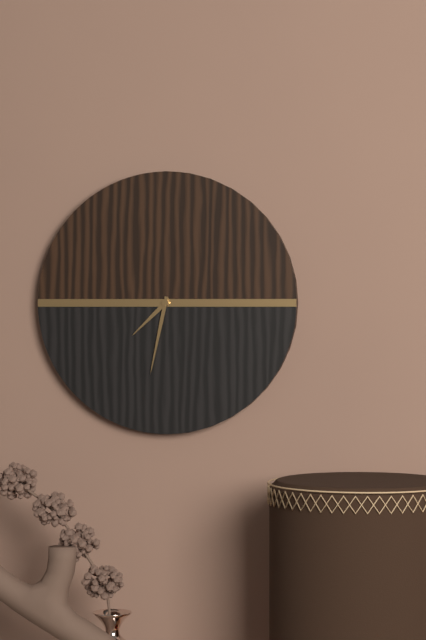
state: 7:32
